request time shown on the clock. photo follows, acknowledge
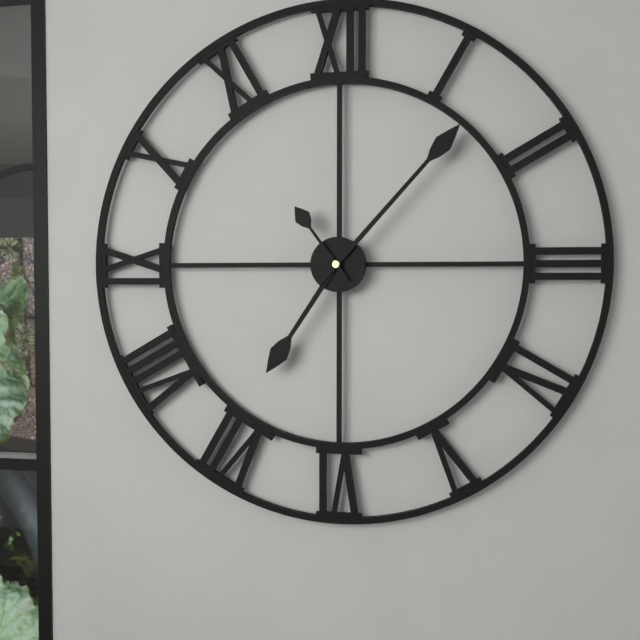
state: 7:07:54
